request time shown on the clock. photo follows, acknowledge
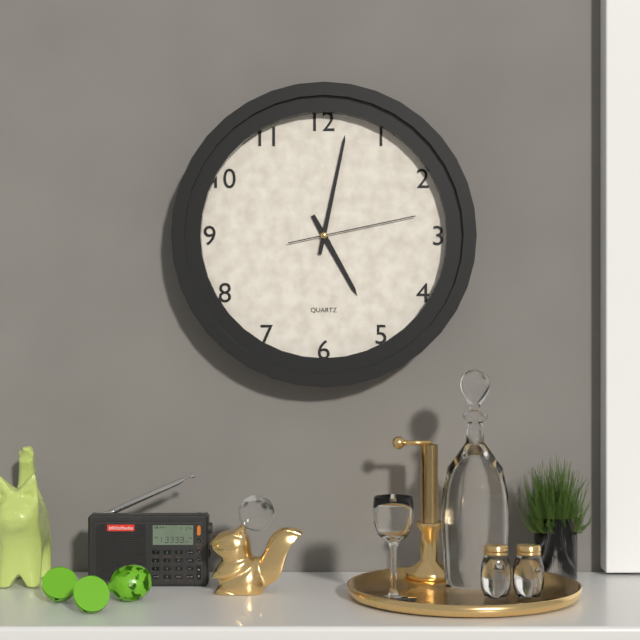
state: 5:02:13
